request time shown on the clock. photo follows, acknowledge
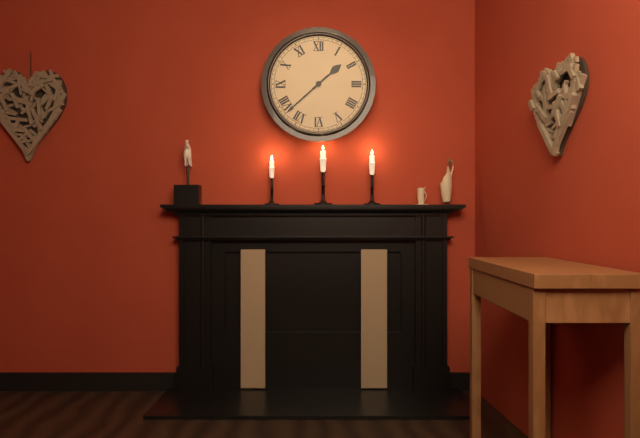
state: 1:38
